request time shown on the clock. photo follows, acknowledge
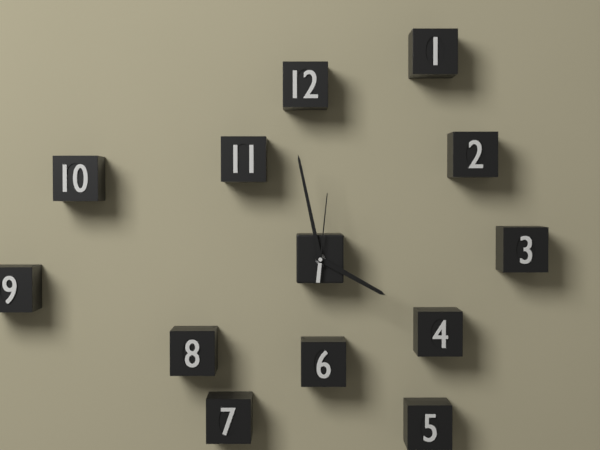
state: 3:58:01
